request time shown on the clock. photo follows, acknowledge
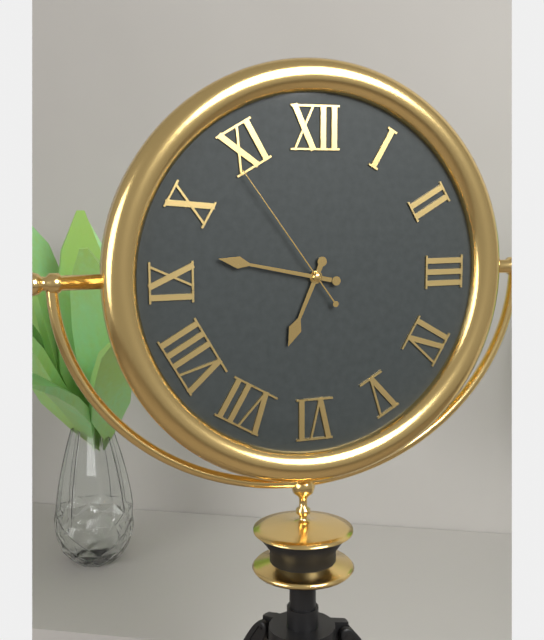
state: 6:47:54
